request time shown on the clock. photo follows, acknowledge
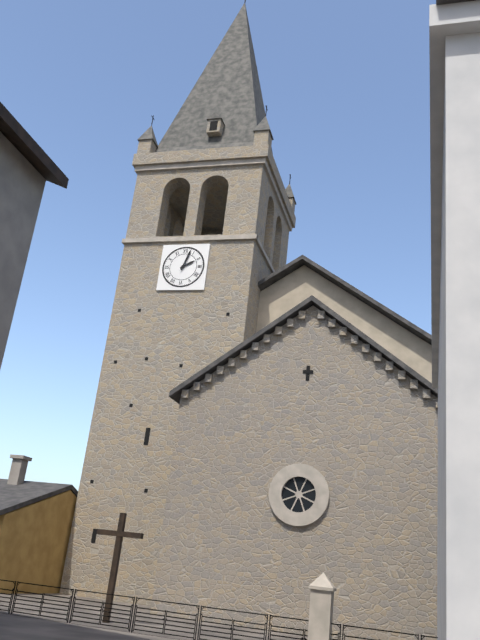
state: 2:03
